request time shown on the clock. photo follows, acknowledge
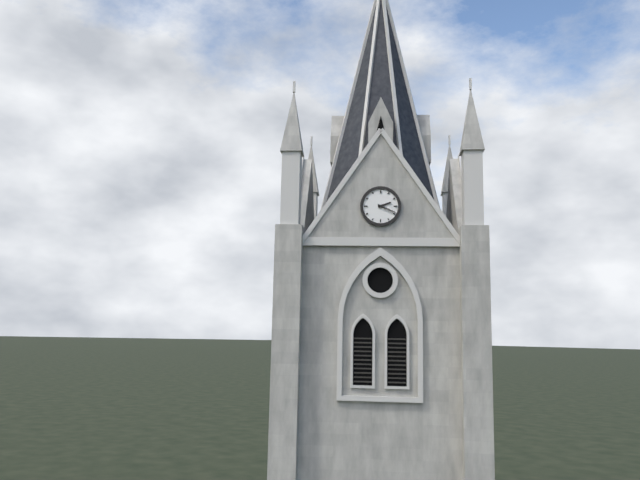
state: 2:19
